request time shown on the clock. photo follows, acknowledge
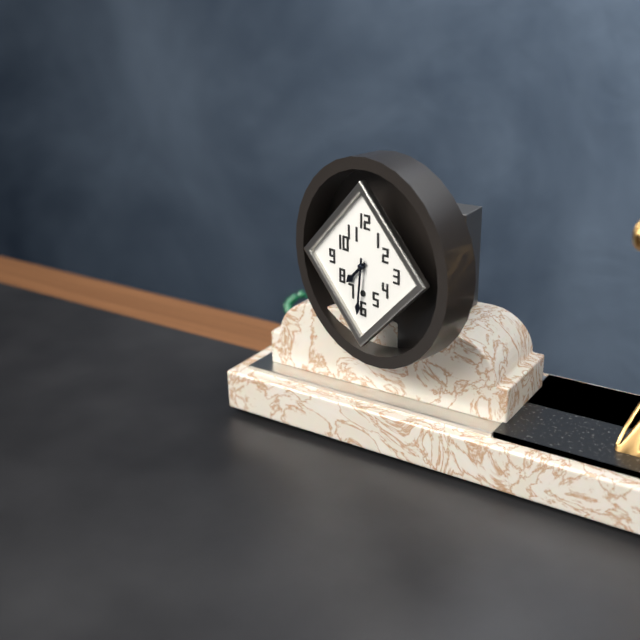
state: 7:31
